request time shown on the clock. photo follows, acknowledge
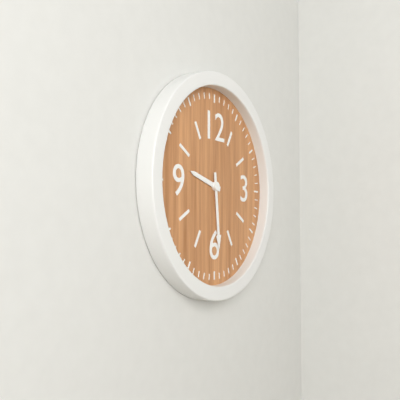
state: 9:29
